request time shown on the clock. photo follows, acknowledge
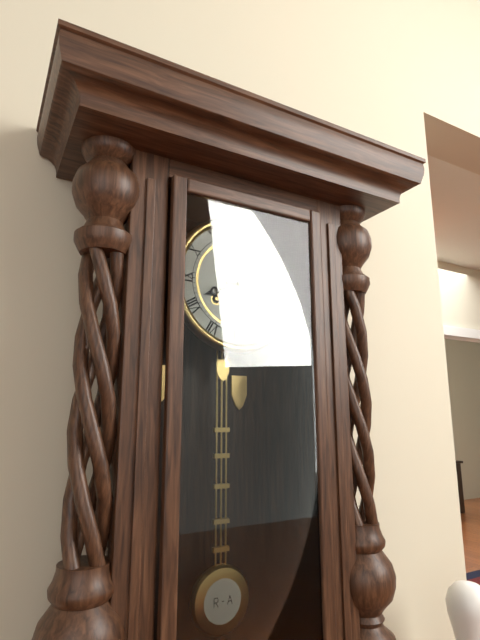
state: 8:15
